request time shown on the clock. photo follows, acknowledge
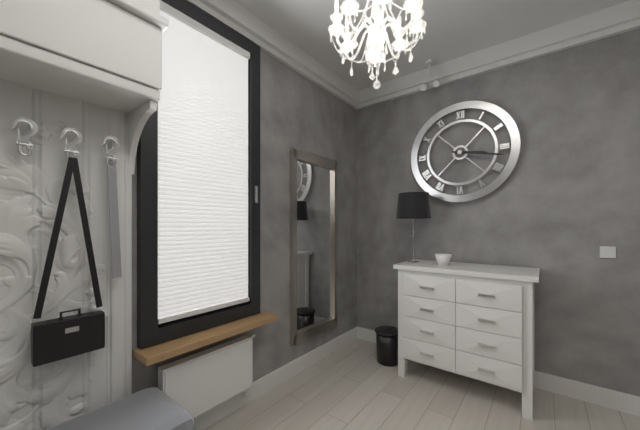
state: 3:17
